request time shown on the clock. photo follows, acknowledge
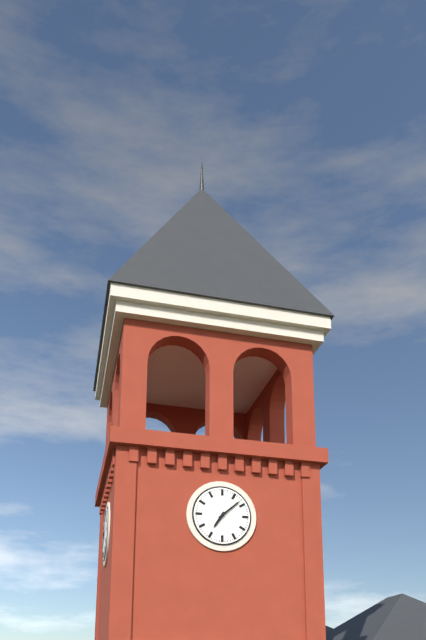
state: 7:08
